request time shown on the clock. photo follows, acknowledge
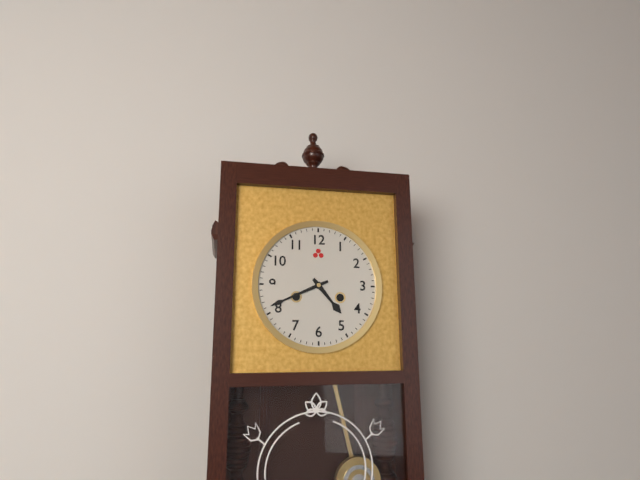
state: 4:41
